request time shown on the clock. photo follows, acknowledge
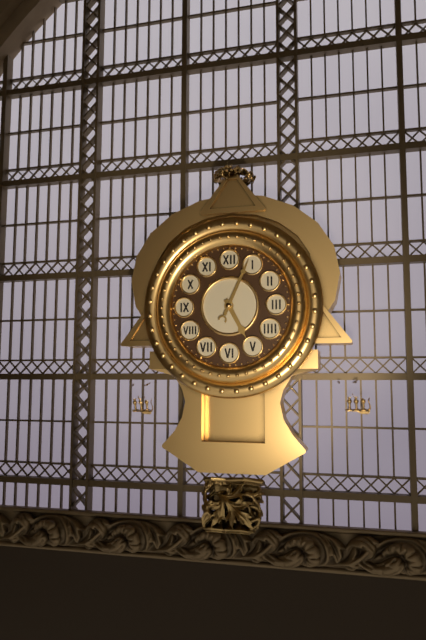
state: 5:04
